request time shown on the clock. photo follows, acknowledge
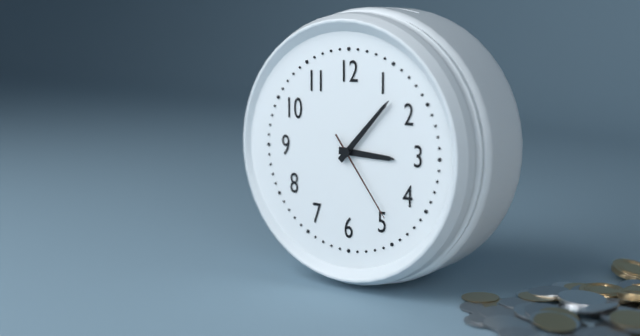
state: 3:07:24
